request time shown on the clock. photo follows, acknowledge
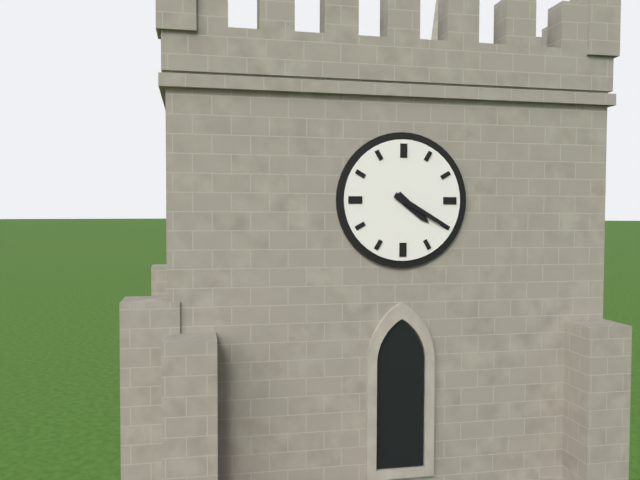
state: 4:20
